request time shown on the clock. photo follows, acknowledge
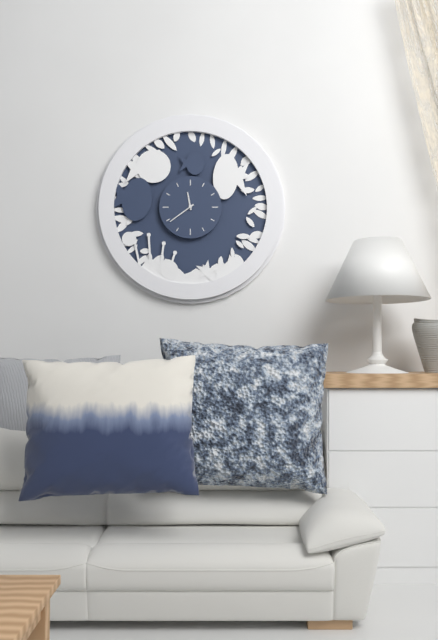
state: 11:39
